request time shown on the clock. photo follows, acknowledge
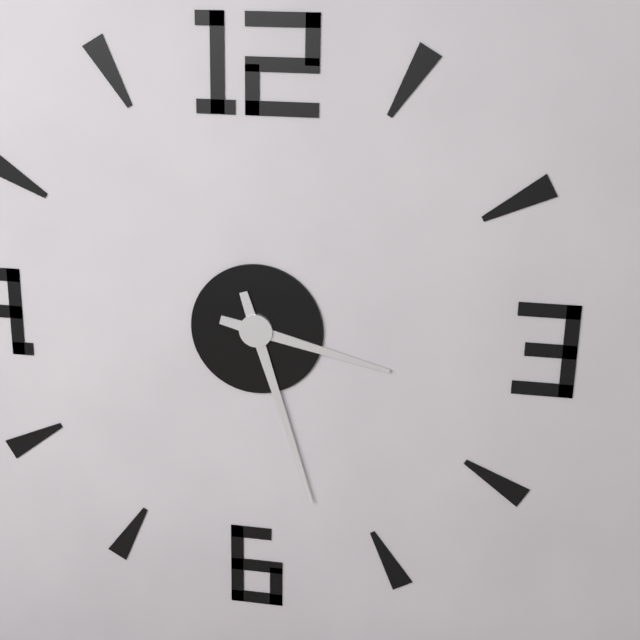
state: 3:27
